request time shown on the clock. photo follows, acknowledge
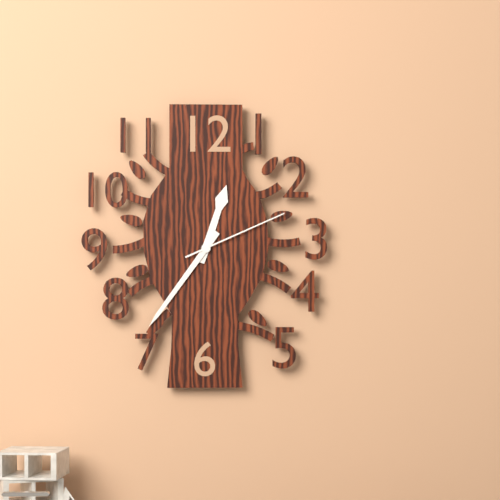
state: 12:36:11
